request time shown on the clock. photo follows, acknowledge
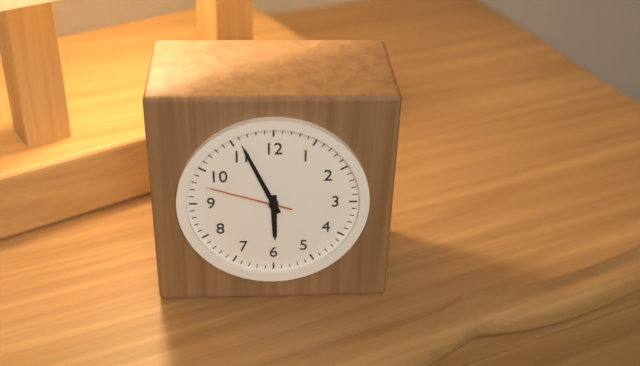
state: 5:56:48
